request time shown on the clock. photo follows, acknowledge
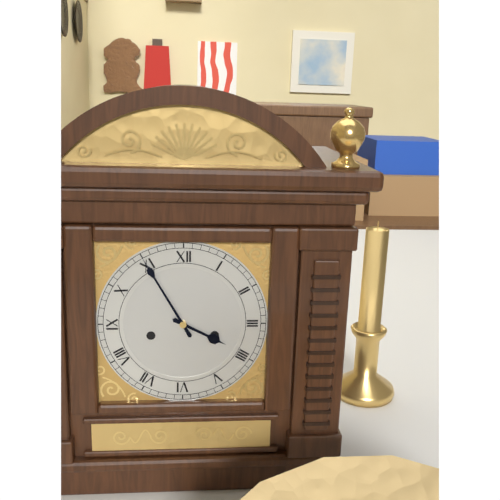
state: 3:55
